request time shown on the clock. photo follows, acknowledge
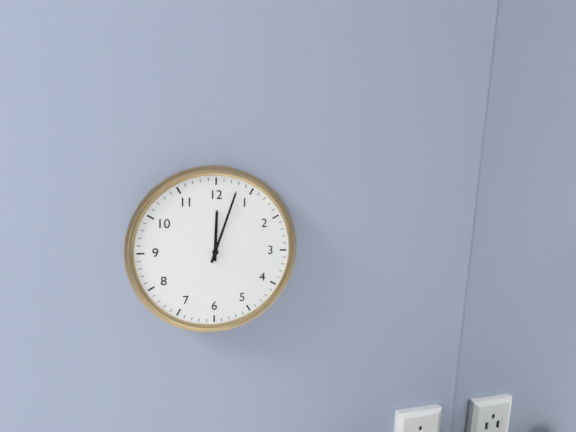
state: 12:03
